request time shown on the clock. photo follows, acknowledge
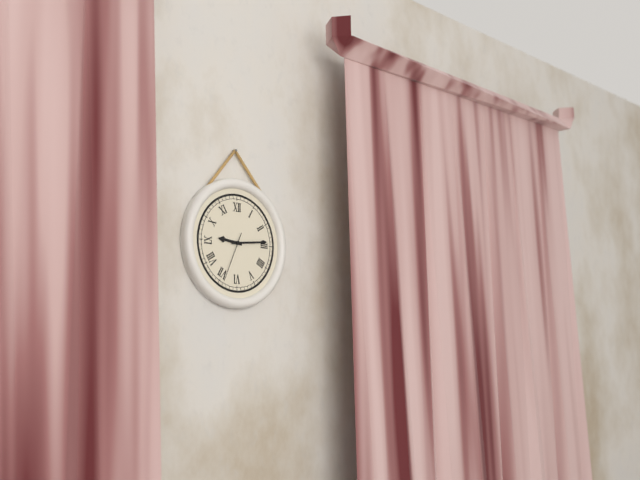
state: 9:14
